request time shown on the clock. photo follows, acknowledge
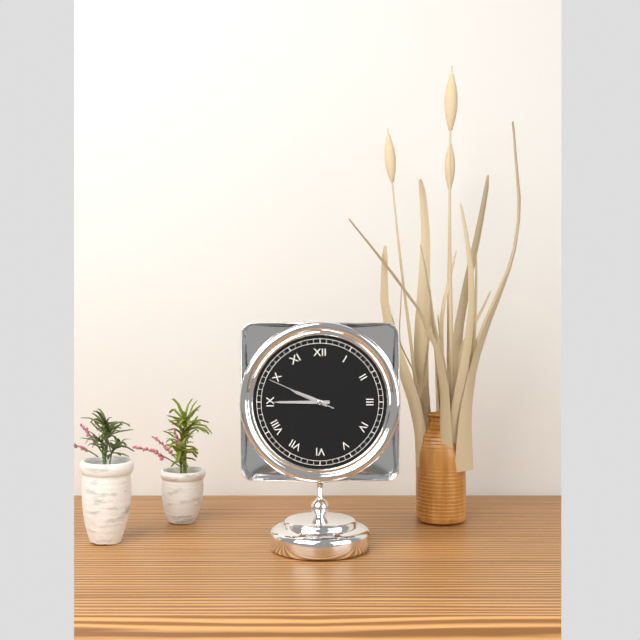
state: 9:45:49
